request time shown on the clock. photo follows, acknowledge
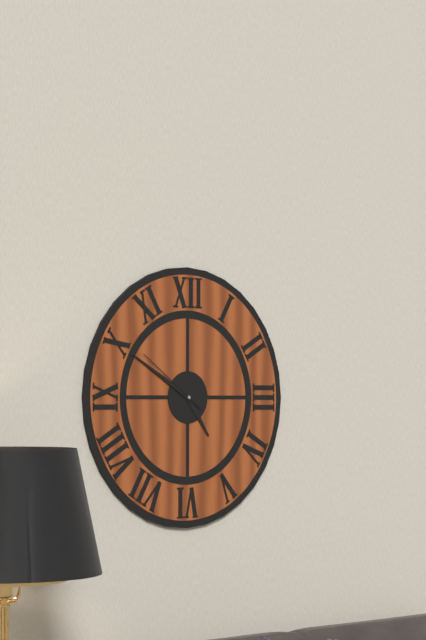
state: 4:50:51
